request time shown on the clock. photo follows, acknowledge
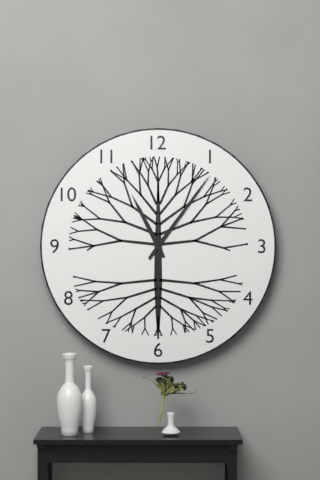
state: 11:06
